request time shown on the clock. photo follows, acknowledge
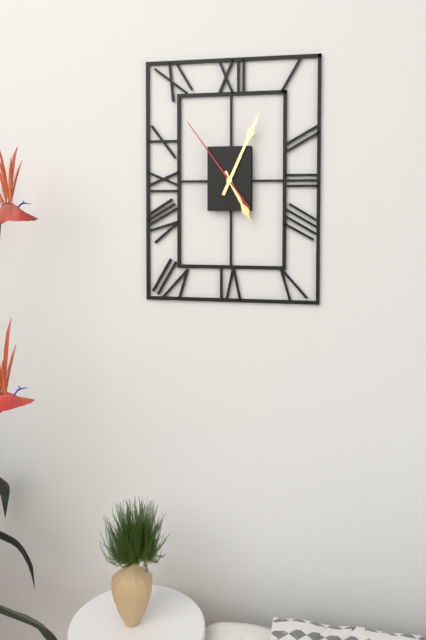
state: 5:04:54
